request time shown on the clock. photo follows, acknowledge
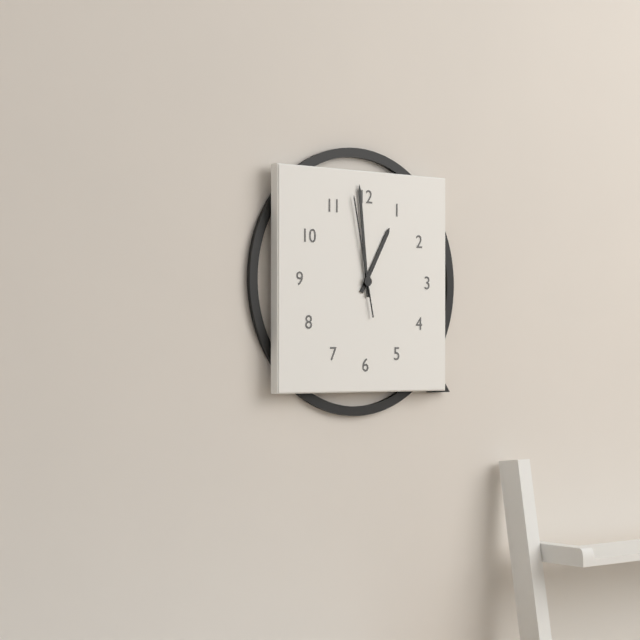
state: 12:59:58
